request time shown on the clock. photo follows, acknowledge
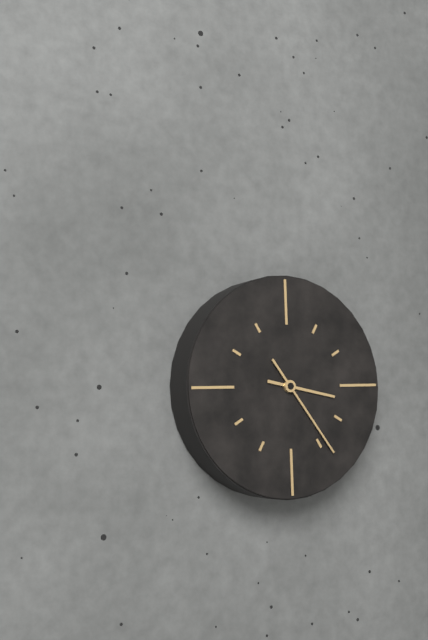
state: 3:24
